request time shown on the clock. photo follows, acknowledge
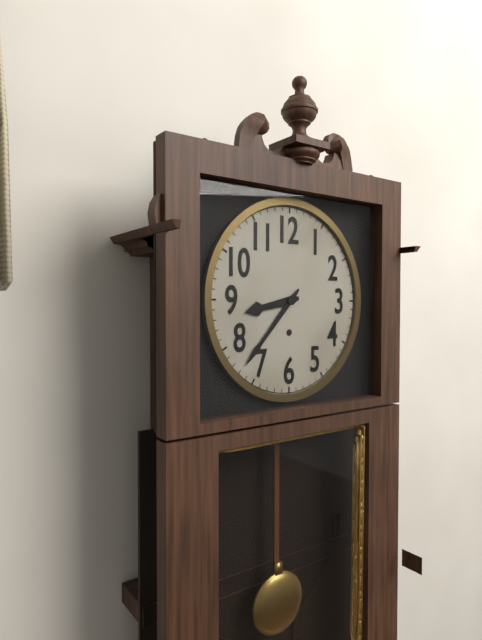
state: 8:37
